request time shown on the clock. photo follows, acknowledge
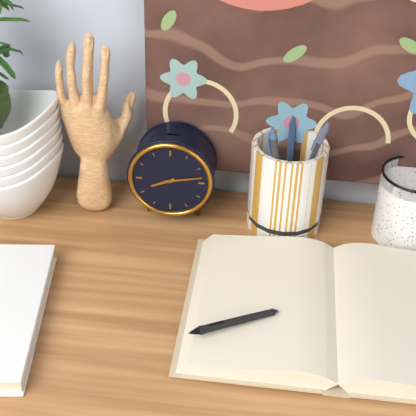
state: 8:13
